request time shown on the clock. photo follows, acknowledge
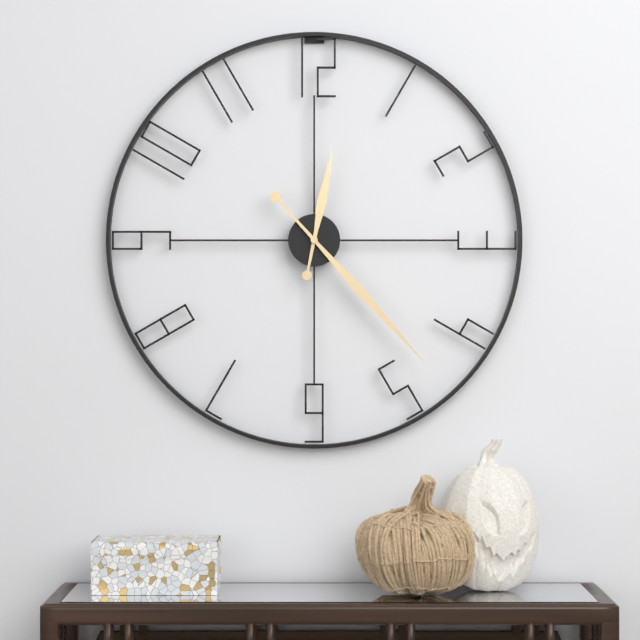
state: 12:23
